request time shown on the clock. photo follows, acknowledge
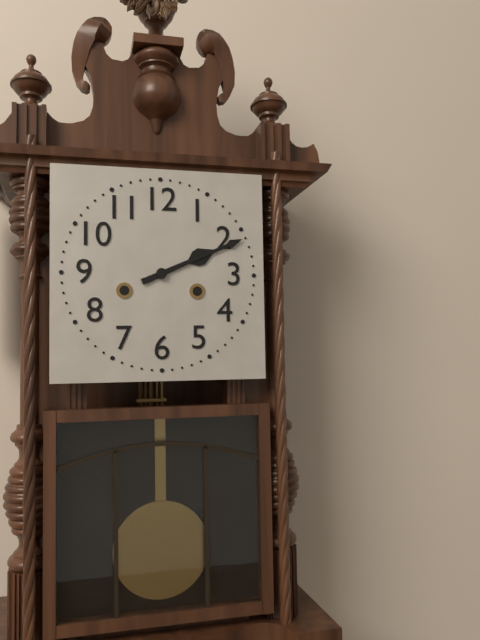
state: 2:11
